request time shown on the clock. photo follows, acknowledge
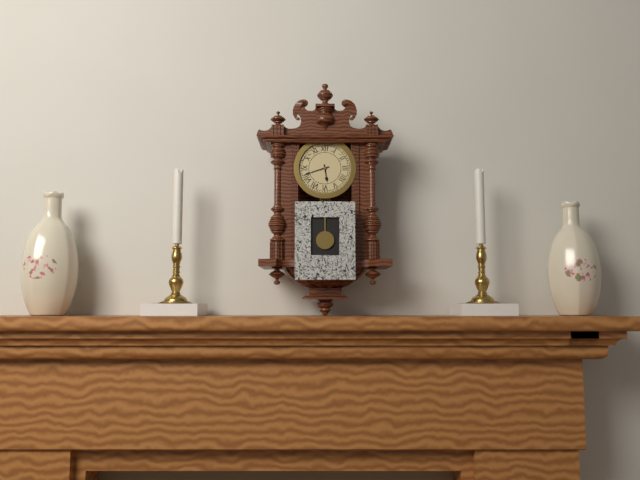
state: 5:42
